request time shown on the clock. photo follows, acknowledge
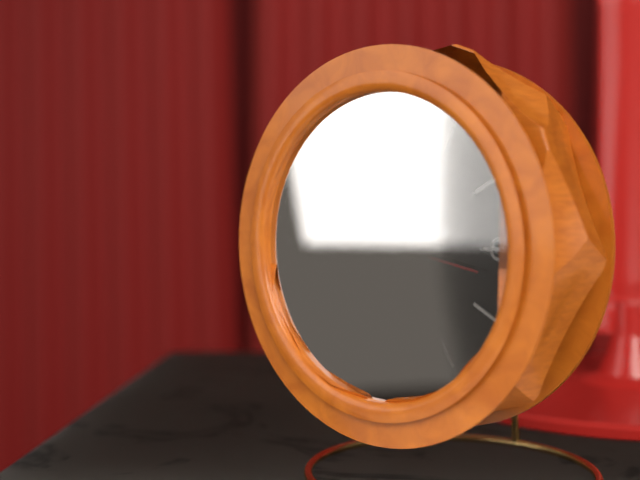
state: 3:01:17
